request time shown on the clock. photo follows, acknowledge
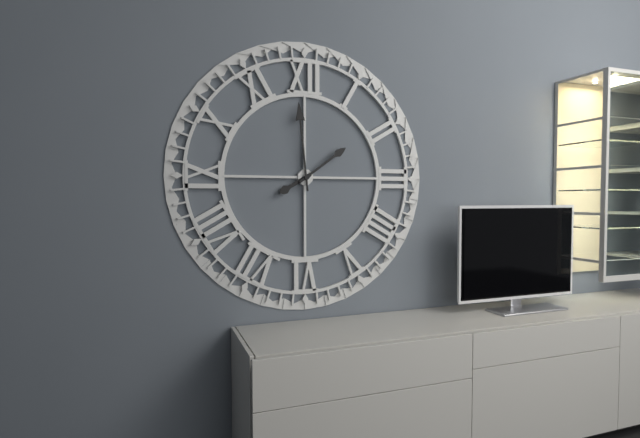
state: 7:59:09
